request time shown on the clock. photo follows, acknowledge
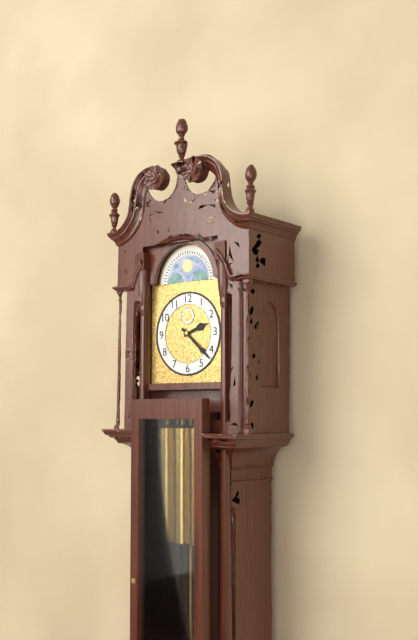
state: 2:22
